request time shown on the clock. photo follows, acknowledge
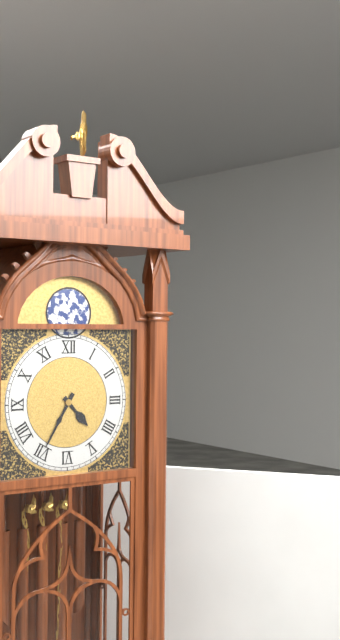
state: 4:35
